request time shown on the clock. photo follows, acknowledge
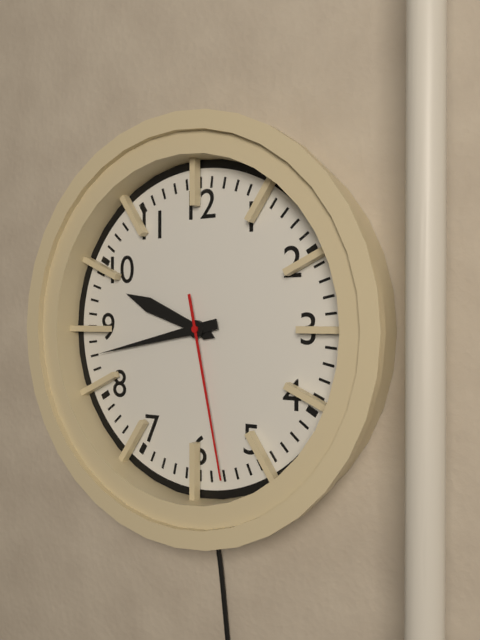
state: 9:43:28
